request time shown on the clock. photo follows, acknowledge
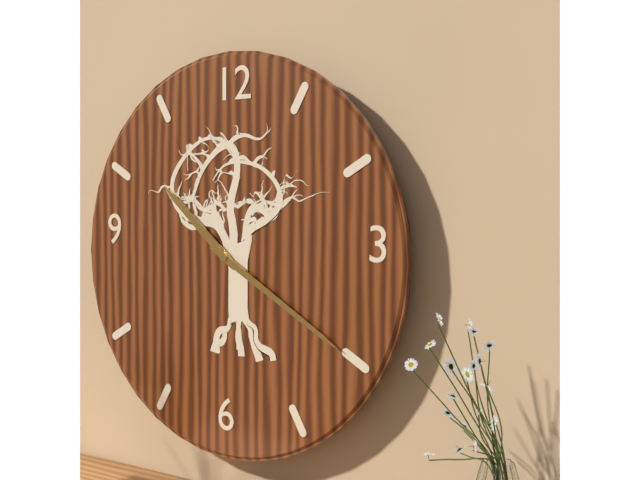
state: 10:20
